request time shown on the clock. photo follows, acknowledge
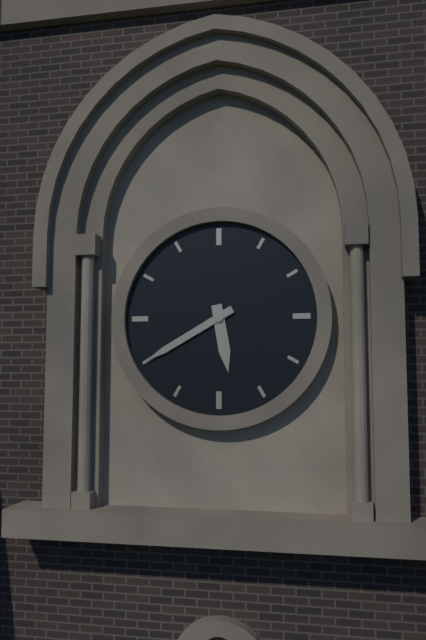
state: 5:40
